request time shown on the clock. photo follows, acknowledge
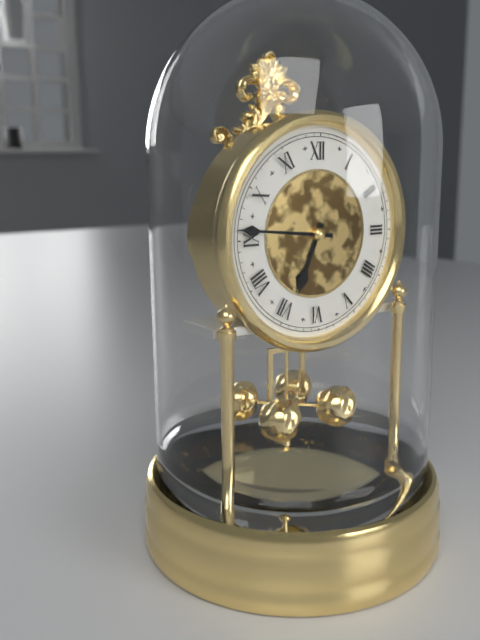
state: 6:46
